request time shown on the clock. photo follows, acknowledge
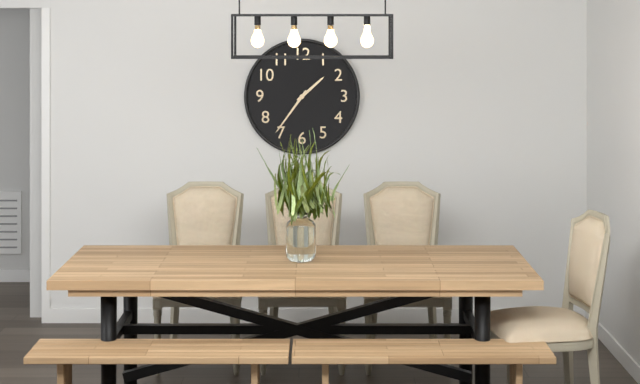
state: 1:36
